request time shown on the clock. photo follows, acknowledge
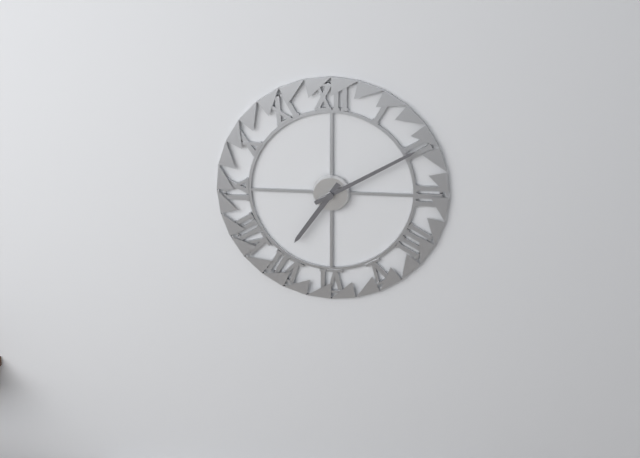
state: 7:10
